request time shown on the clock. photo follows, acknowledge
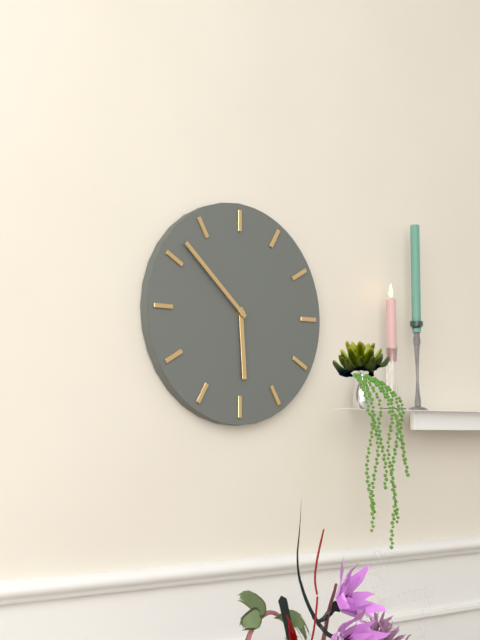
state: 5:52
